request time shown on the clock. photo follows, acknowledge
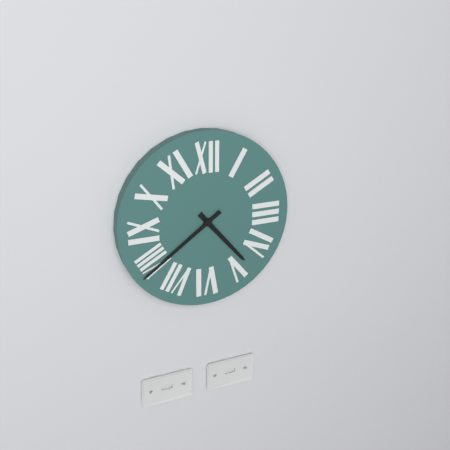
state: 4:39
